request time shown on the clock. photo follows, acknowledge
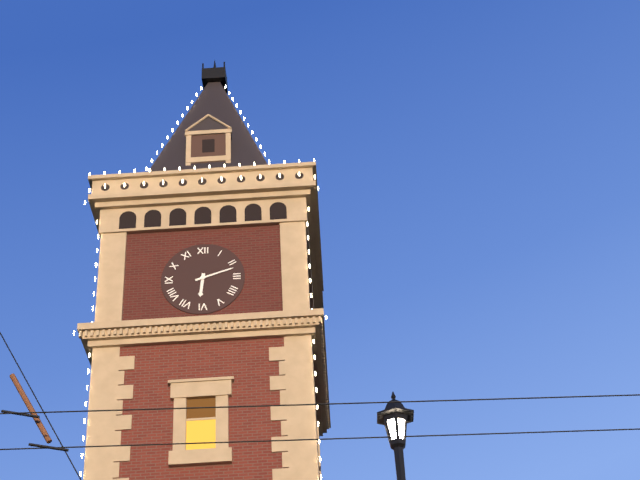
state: 6:12
